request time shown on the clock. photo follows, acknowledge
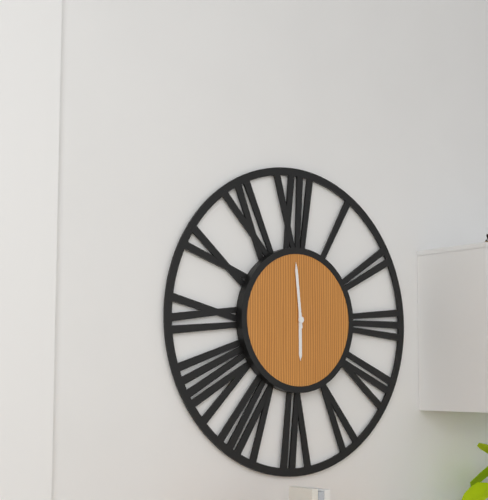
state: 5:59
